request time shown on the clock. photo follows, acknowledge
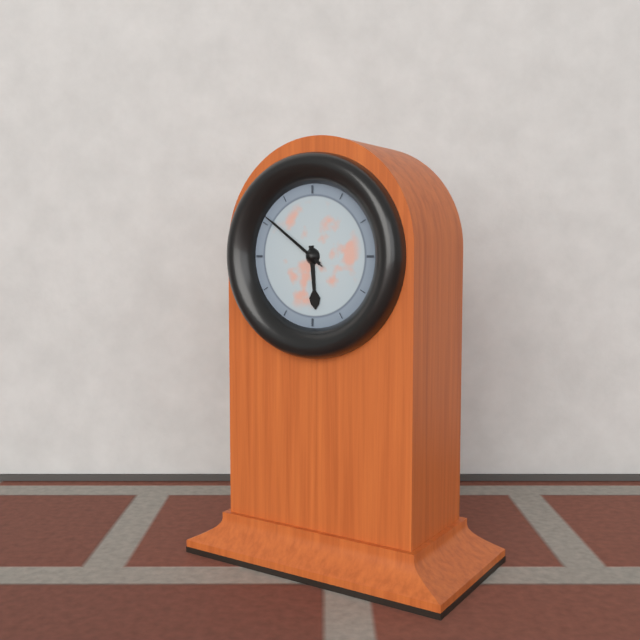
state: 5:51:51
